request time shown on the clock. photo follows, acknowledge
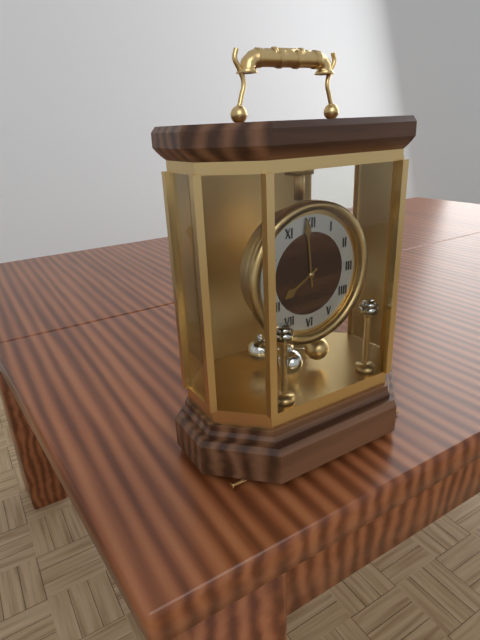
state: 7:59
